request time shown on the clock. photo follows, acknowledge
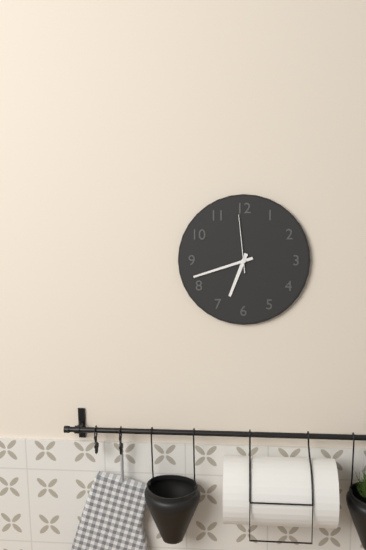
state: 6:42:59
